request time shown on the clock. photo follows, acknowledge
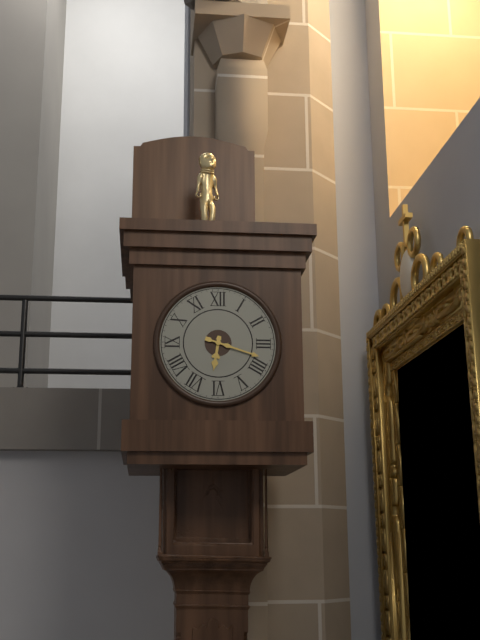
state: 6:18
